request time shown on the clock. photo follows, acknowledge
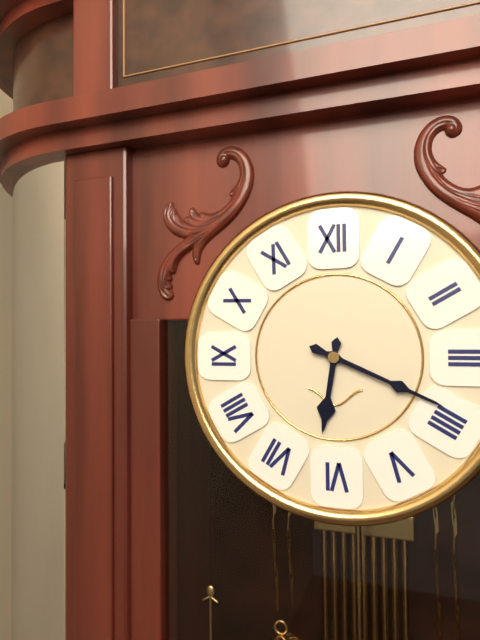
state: 6:19
